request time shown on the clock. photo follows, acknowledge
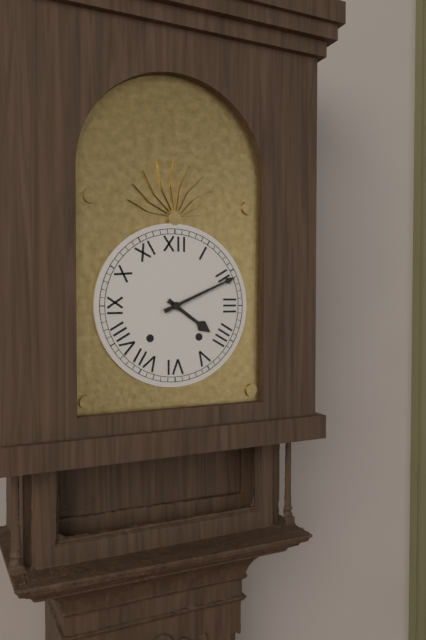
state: 4:11
